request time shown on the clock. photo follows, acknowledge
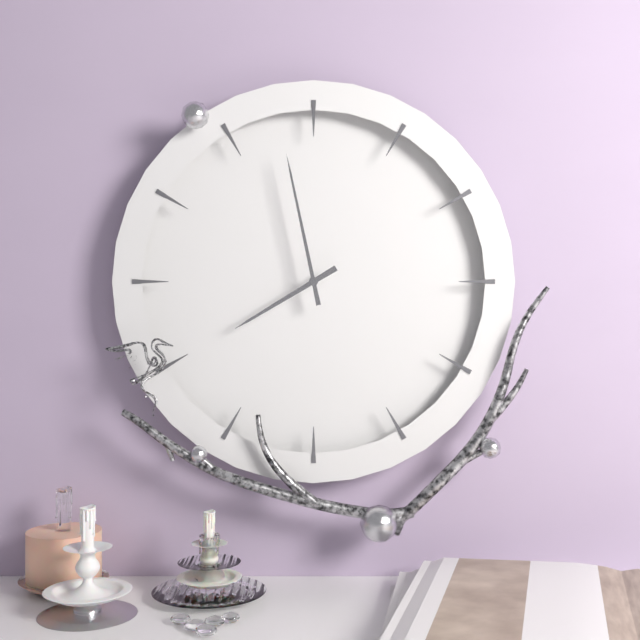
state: 7:58
